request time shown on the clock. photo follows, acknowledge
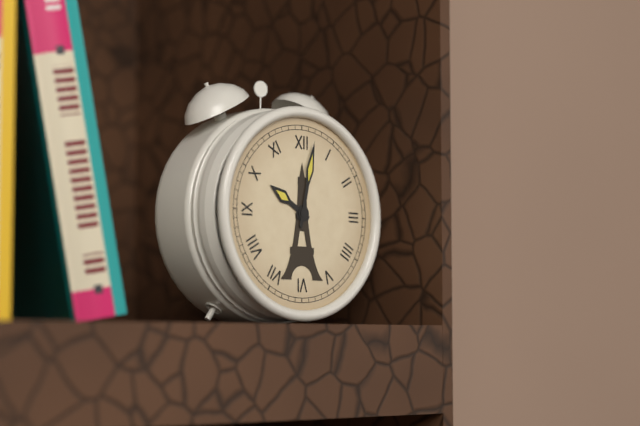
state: 10:02
